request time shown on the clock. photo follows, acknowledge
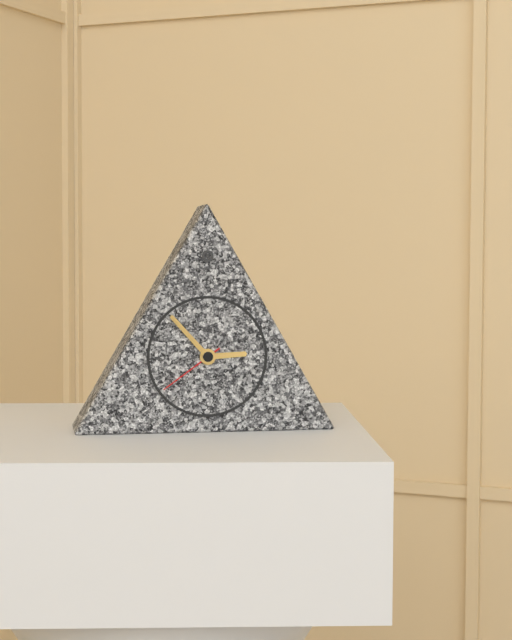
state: 2:53:39
